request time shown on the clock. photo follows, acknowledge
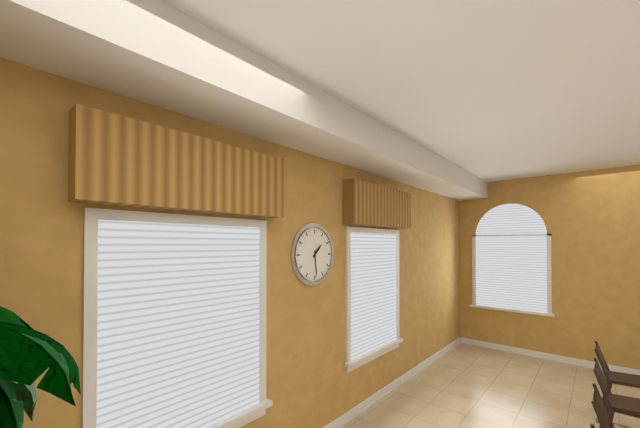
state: 1:29
